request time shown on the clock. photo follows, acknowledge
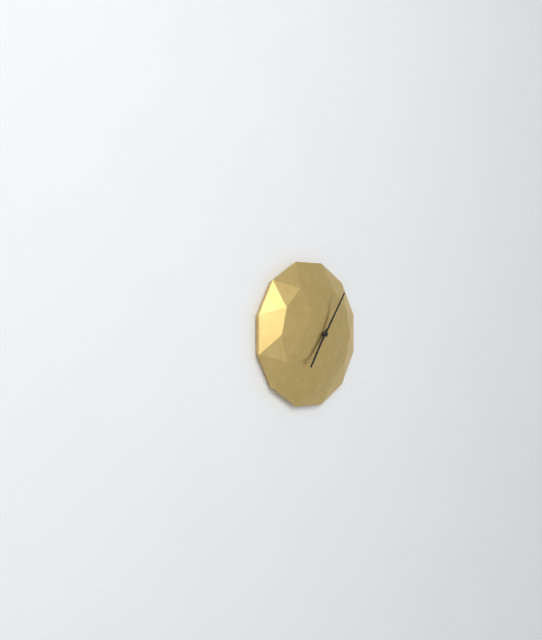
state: 7:06
